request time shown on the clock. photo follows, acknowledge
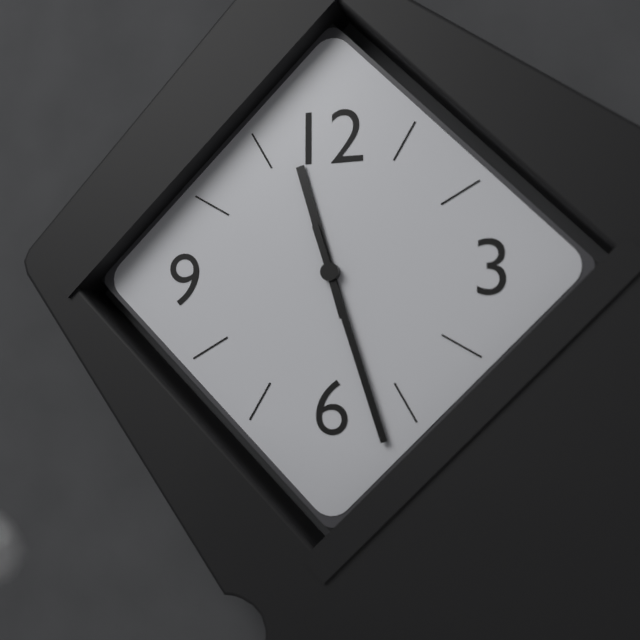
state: 11:27
